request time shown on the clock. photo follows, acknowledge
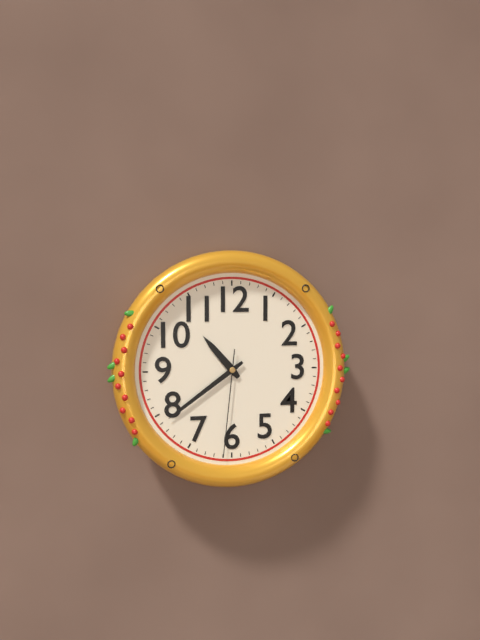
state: 10:39:31
